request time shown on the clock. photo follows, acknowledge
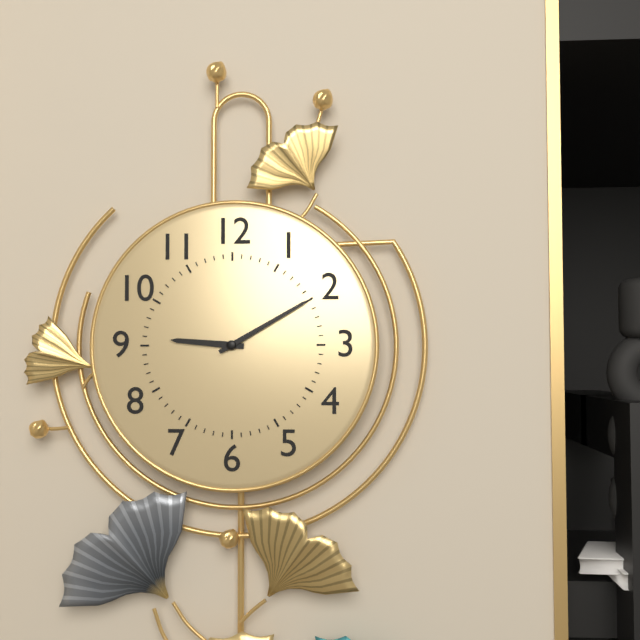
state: 9:10
